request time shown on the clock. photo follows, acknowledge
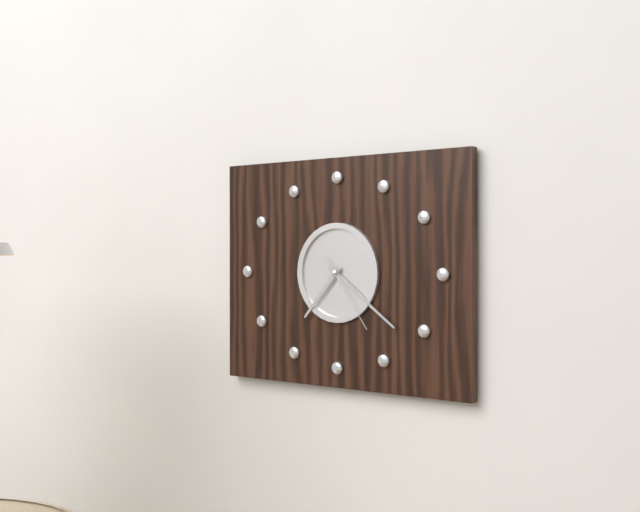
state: 7:21:24
